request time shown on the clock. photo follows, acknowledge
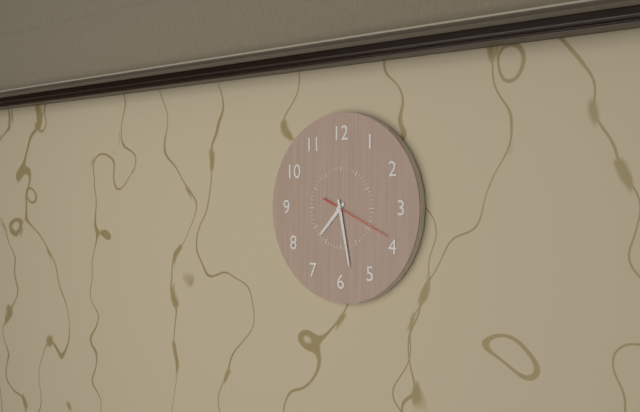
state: 7:28:19
